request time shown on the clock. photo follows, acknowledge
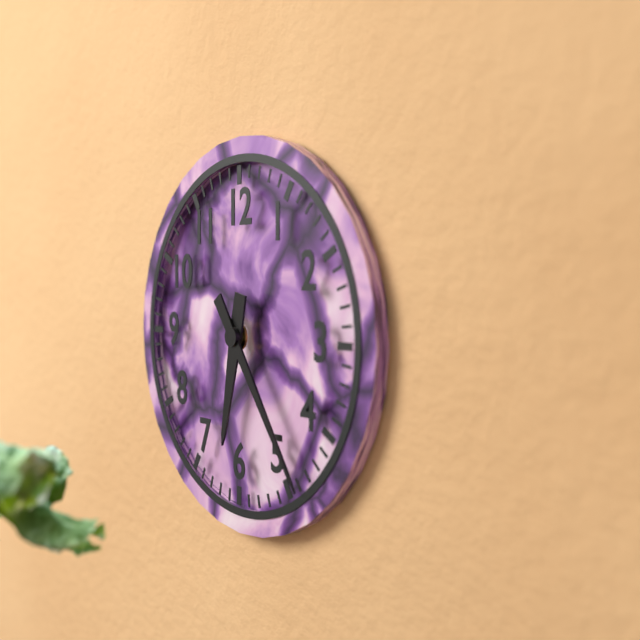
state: 6:24
